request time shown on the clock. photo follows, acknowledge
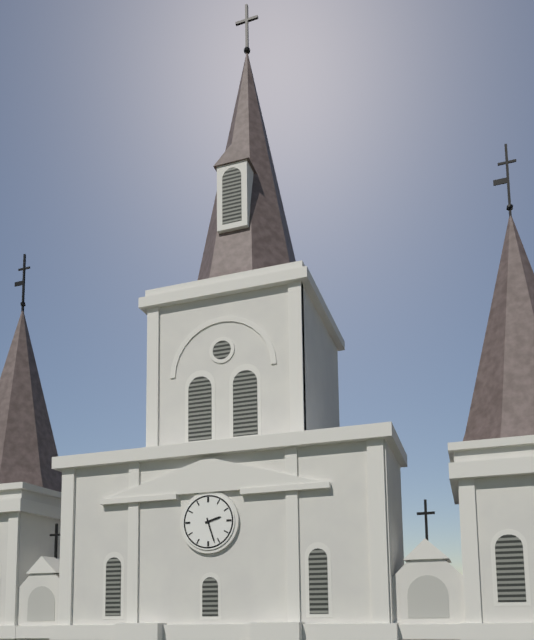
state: 2:27
